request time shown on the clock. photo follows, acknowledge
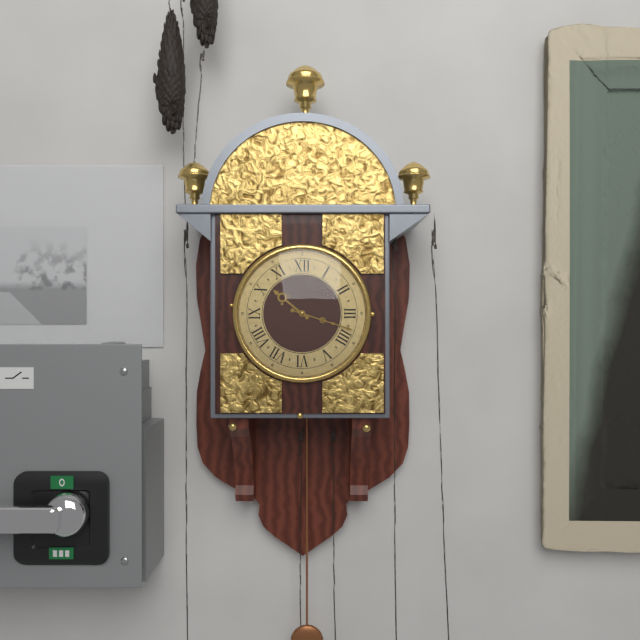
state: 10:18
